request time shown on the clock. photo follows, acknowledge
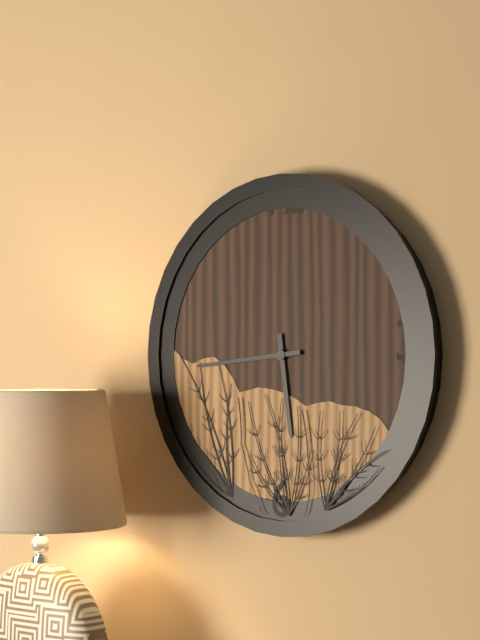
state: 5:44
